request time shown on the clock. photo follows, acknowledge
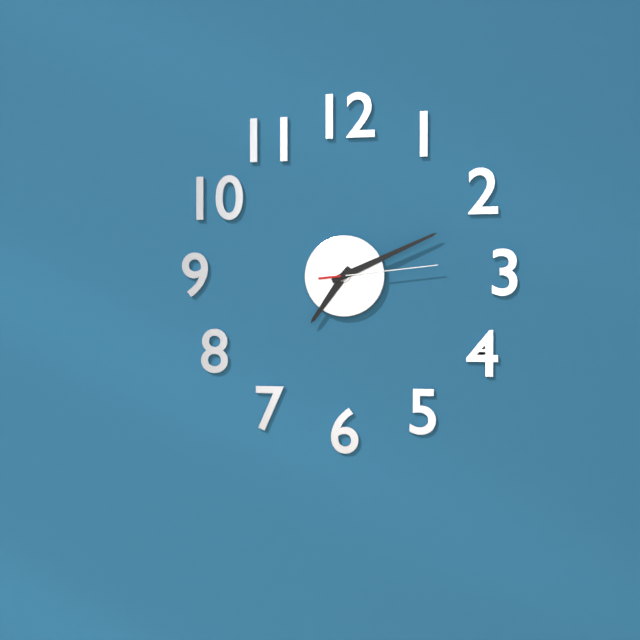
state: 7:11:14
